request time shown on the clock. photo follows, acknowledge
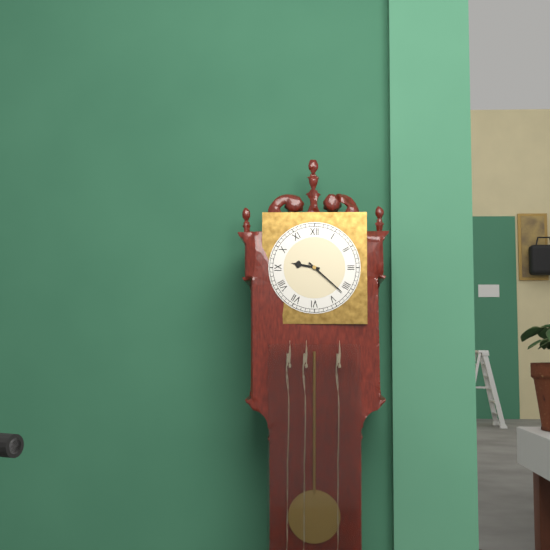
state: 9:22
